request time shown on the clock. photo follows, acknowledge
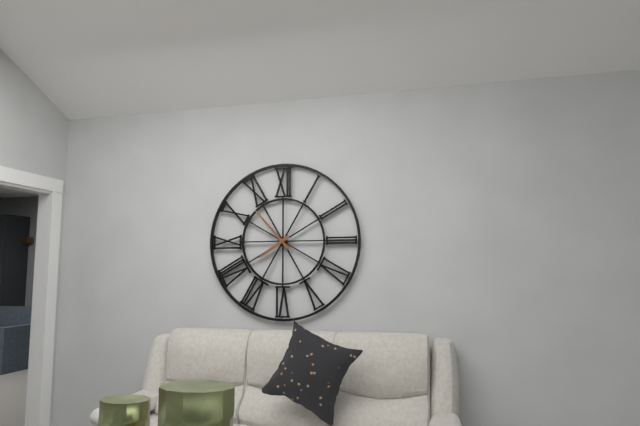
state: 7:53
